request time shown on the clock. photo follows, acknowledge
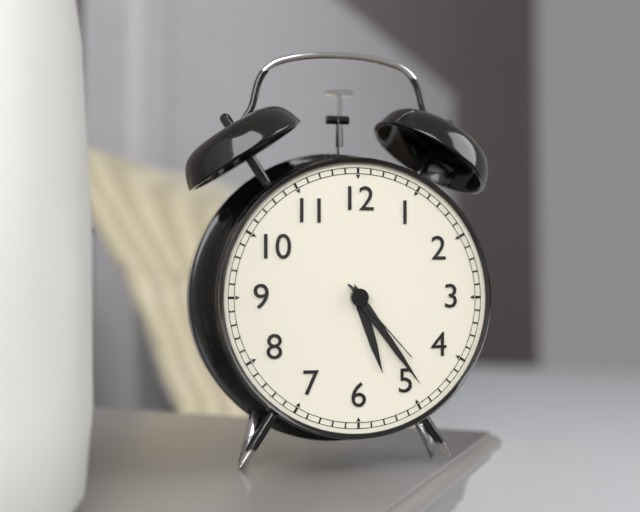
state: 5:24:23
